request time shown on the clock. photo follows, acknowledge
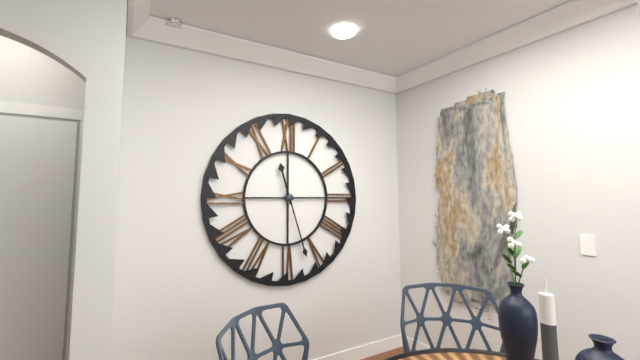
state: 11:27
